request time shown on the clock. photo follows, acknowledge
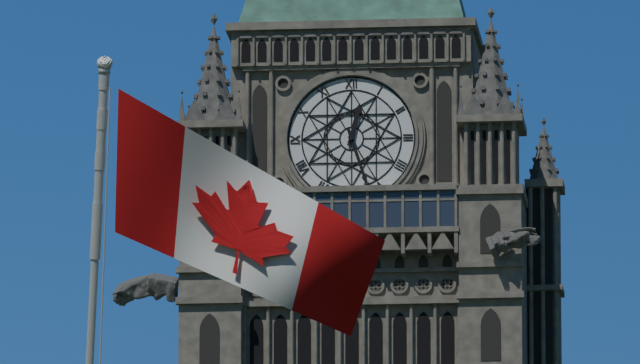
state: 12:27
